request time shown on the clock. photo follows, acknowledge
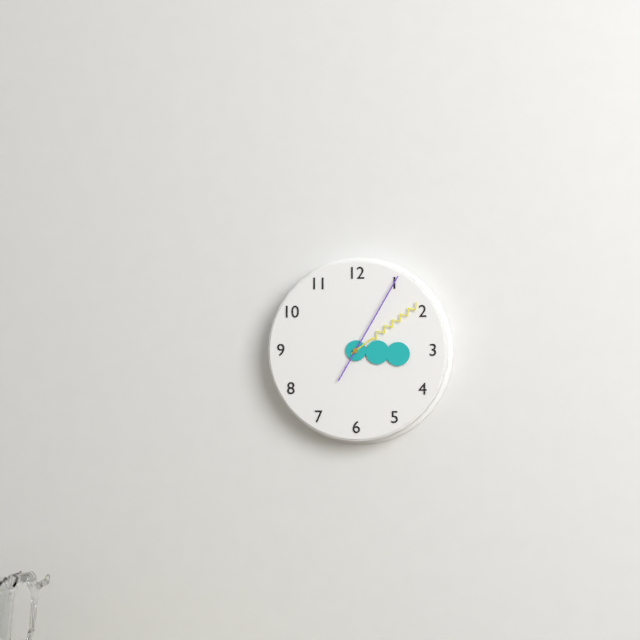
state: 3:09:05
